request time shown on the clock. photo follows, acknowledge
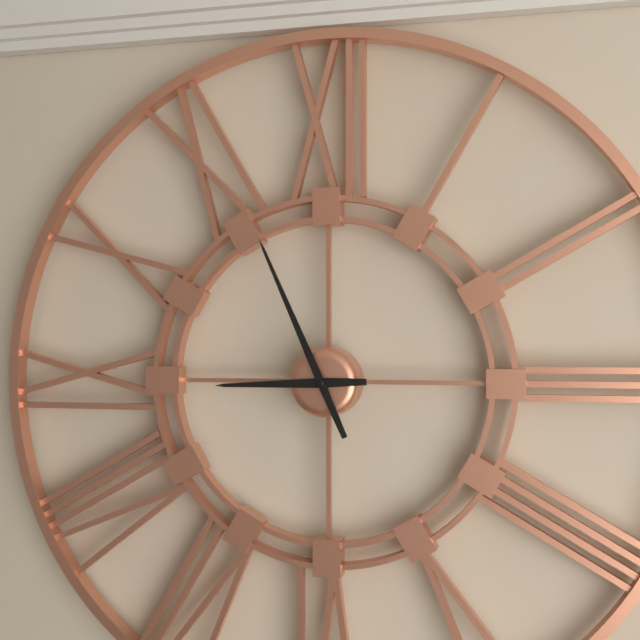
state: 8:56
